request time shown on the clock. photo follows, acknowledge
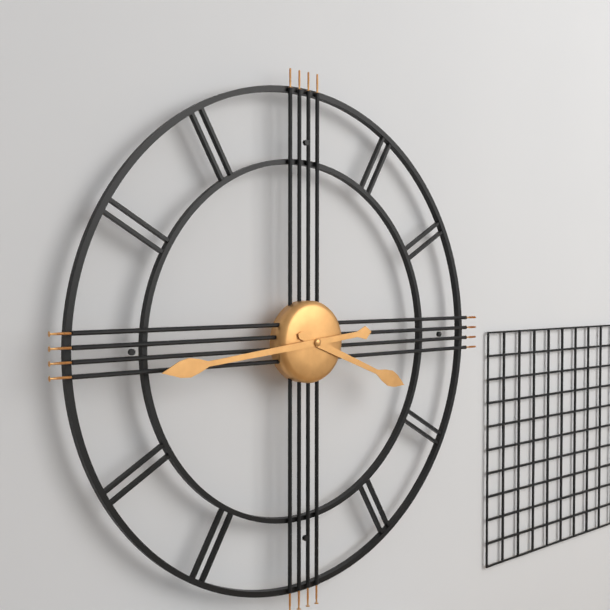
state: 3:44
